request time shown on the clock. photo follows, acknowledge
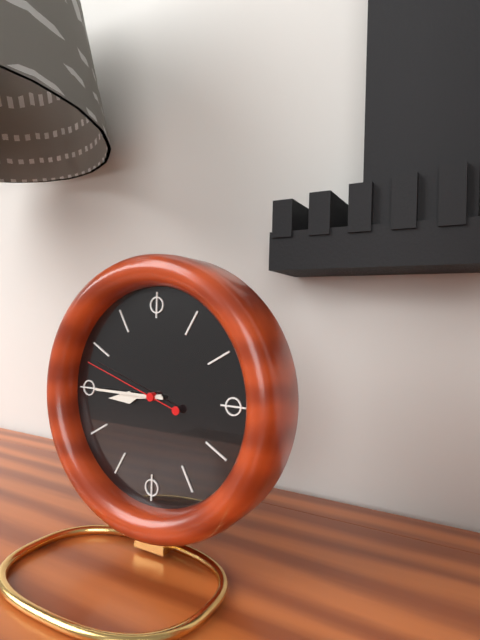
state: 8:45:48
